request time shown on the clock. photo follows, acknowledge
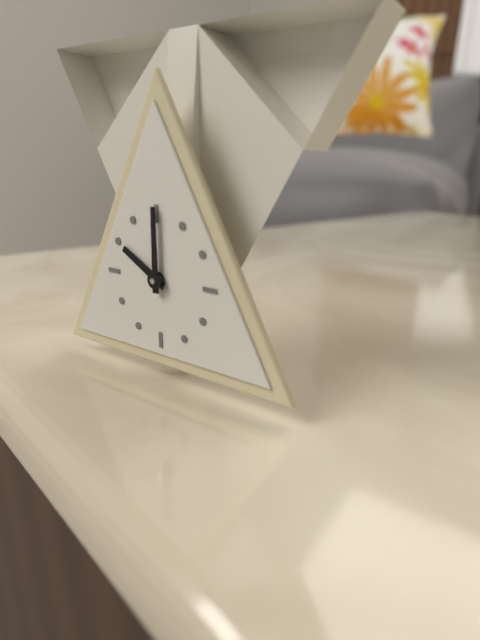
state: 10:00
